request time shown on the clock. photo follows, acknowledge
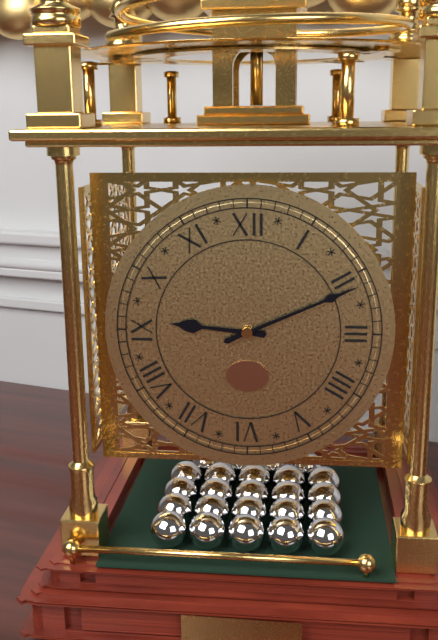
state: 9:11
